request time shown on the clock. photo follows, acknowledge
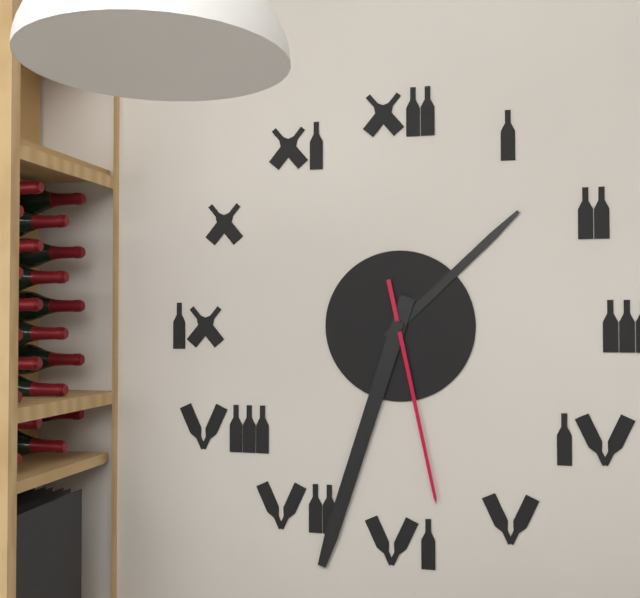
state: 1:33:28
